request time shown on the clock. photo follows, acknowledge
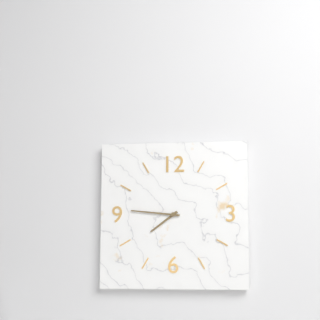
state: 7:46
